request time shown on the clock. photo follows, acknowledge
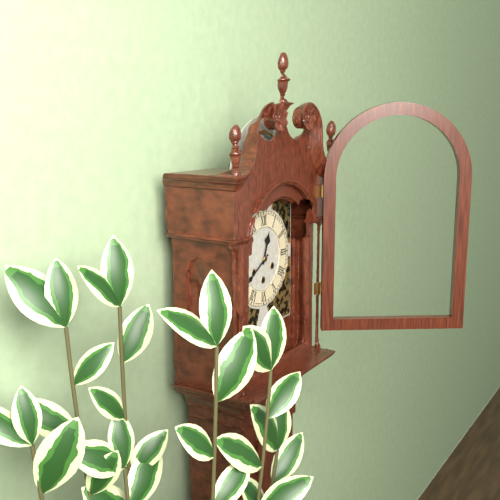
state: 12:40
